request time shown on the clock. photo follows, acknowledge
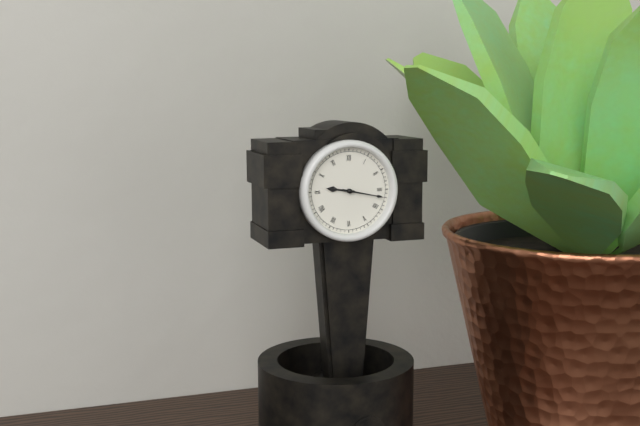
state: 9:17
